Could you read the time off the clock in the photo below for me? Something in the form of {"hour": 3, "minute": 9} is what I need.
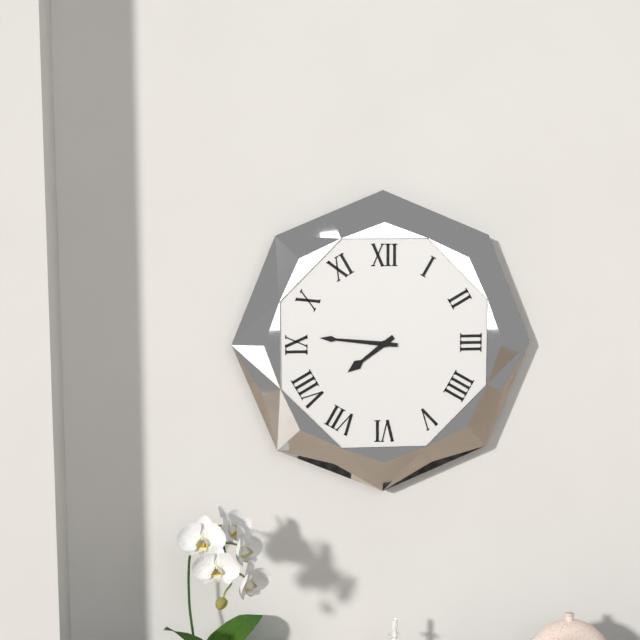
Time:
{"hour": 7, "minute": 46}
